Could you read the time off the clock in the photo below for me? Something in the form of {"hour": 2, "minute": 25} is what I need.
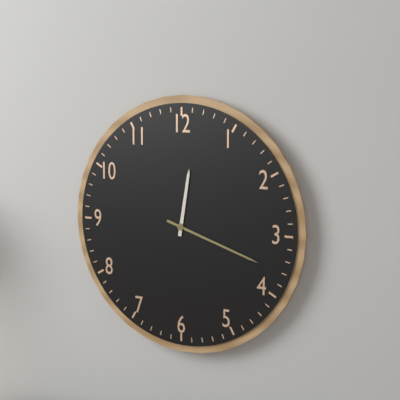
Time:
{"hour": 12, "minute": 18}
